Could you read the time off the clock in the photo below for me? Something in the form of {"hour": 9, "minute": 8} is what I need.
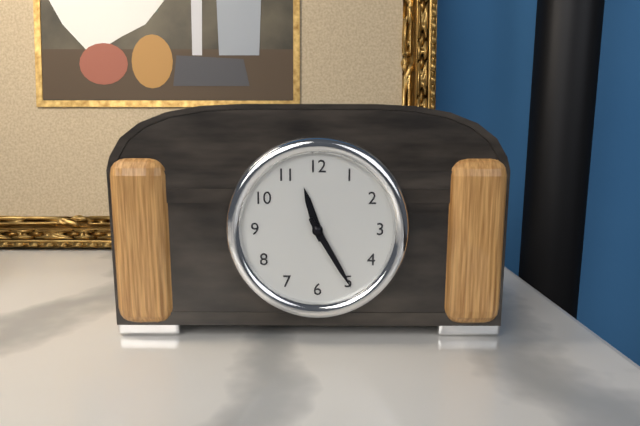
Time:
{"hour": 11, "minute": 25}
